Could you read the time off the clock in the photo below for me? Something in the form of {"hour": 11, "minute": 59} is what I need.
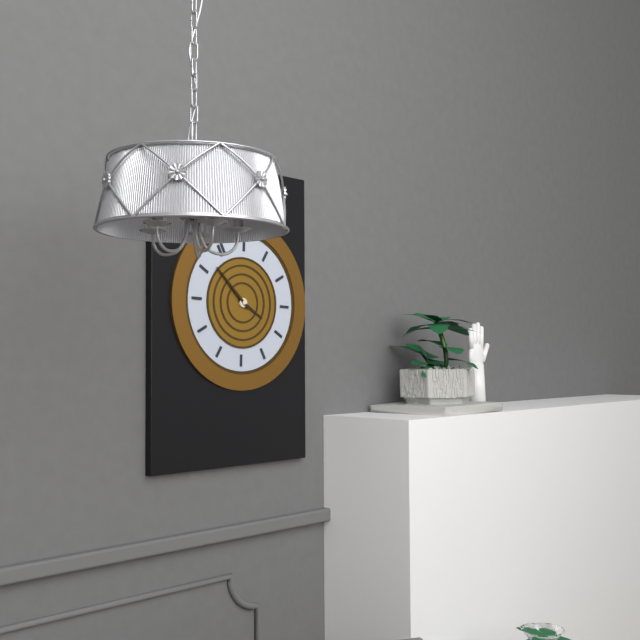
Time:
{"hour": 4, "minute": 57}
